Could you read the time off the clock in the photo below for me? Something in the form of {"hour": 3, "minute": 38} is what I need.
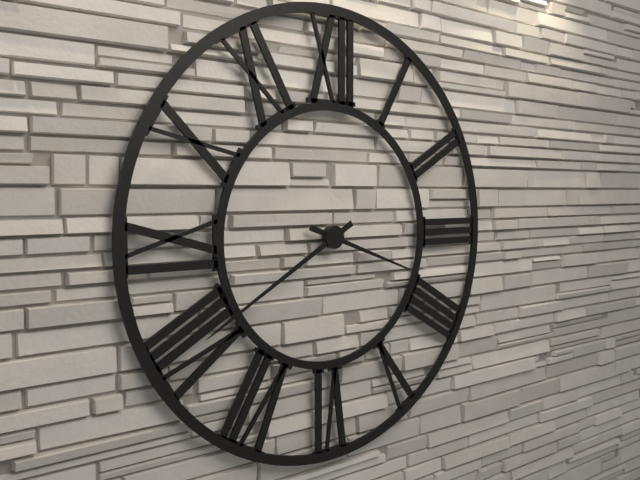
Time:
{"hour": 3, "minute": 40}
